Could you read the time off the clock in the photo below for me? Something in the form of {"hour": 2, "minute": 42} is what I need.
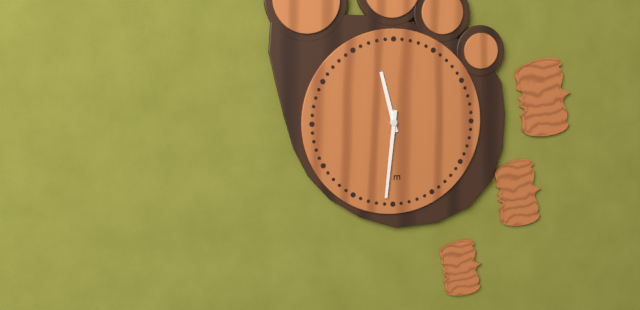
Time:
{"hour": 11, "minute": 31}
